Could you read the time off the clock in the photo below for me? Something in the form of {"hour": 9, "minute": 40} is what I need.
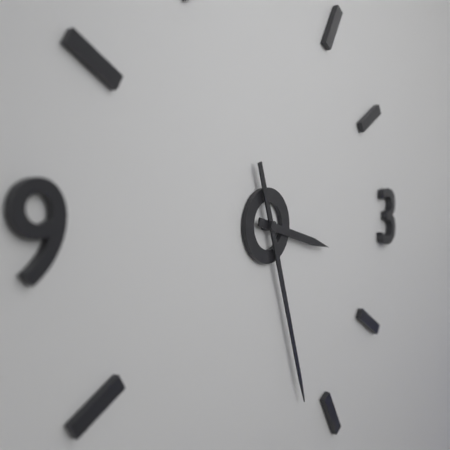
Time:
{"hour": 3, "minute": 27}
